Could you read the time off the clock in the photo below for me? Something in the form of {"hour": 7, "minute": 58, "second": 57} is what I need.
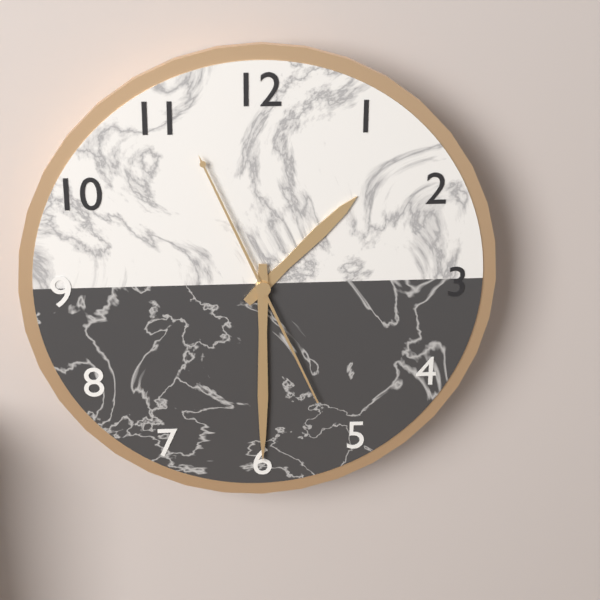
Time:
{"hour": 1, "minute": 30, "second": 56}
